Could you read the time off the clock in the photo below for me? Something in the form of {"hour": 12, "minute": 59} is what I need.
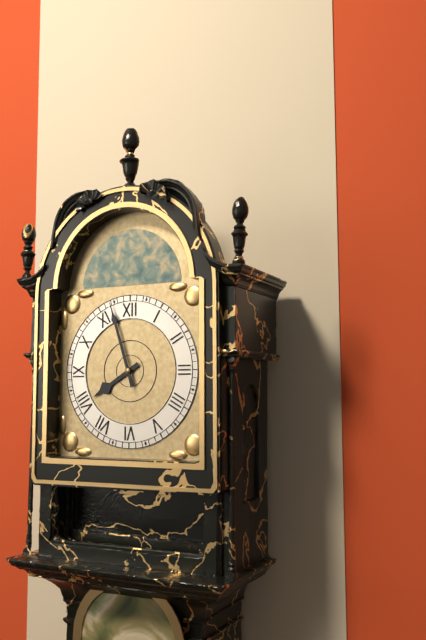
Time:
{"hour": 7, "minute": 57}
